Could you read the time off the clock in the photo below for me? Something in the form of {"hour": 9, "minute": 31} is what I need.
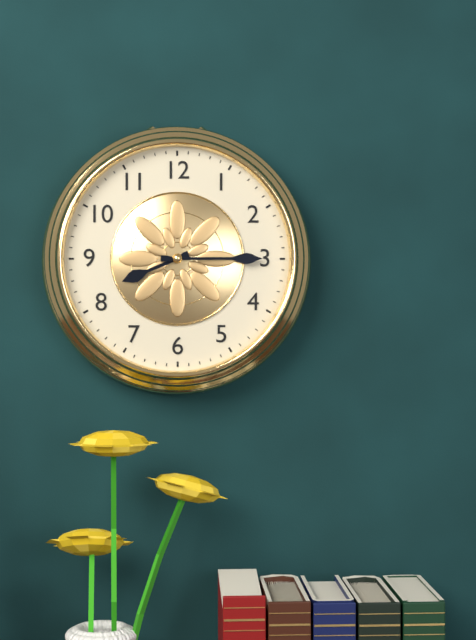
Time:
{"hour": 8, "minute": 15}
